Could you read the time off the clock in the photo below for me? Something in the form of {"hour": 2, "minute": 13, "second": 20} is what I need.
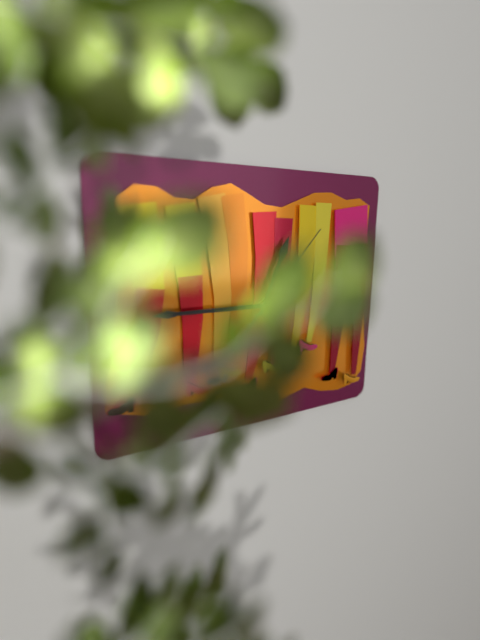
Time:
{"hour": 12, "minute": 45, "second": 7}
